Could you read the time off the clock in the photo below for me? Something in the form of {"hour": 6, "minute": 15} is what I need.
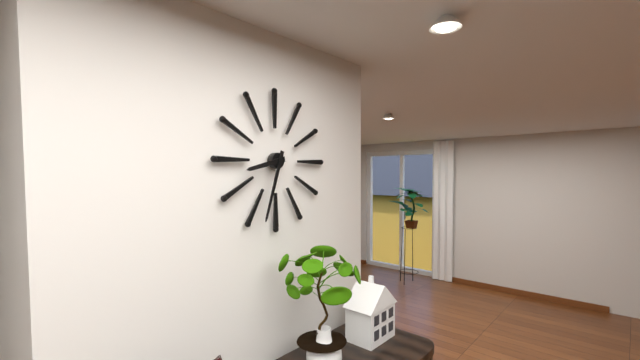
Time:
{"hour": 8, "minute": 33}
